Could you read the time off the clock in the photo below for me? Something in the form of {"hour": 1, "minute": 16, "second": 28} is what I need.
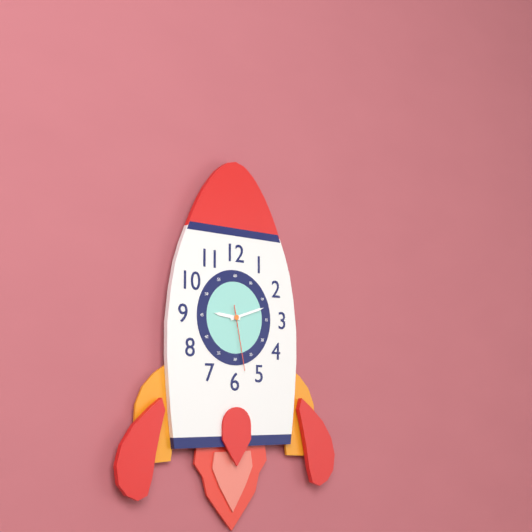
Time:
{"hour": 9, "minute": 12, "second": 28}
